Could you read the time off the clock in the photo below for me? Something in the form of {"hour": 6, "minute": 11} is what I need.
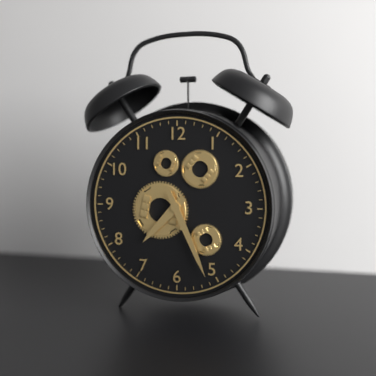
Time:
{"hour": 7, "minute": 26}
